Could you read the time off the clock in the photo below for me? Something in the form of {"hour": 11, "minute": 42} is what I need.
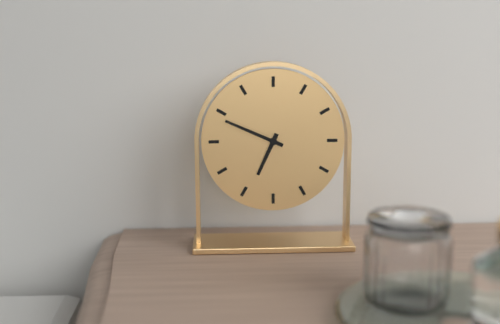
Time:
{"hour": 6, "minute": 49}
